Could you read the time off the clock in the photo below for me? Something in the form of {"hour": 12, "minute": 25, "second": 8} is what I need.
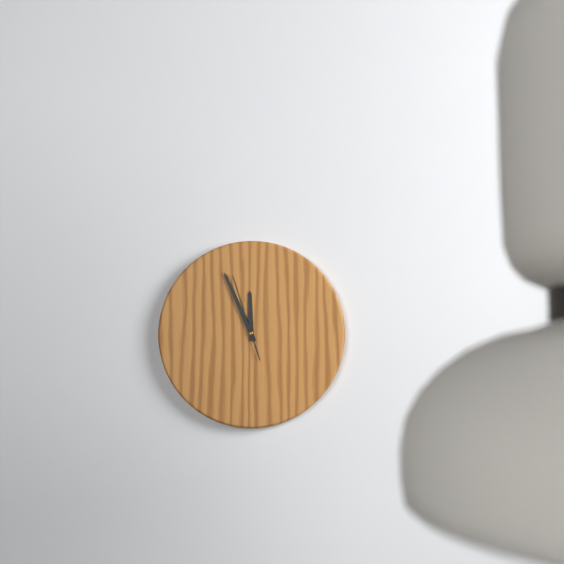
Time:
{"hour": 11, "minute": 56, "second": 57}
